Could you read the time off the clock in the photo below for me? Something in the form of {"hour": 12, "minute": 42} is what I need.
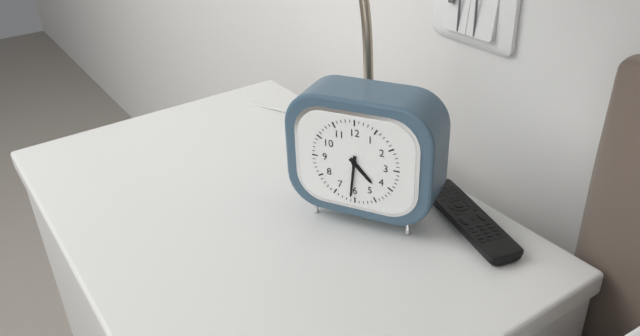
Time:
{"hour": 4, "minute": 31}
